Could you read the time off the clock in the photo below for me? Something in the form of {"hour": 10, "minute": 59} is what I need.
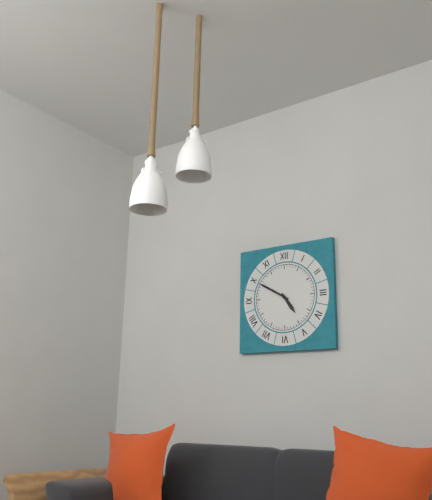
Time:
{"hour": 4, "minute": 50}
